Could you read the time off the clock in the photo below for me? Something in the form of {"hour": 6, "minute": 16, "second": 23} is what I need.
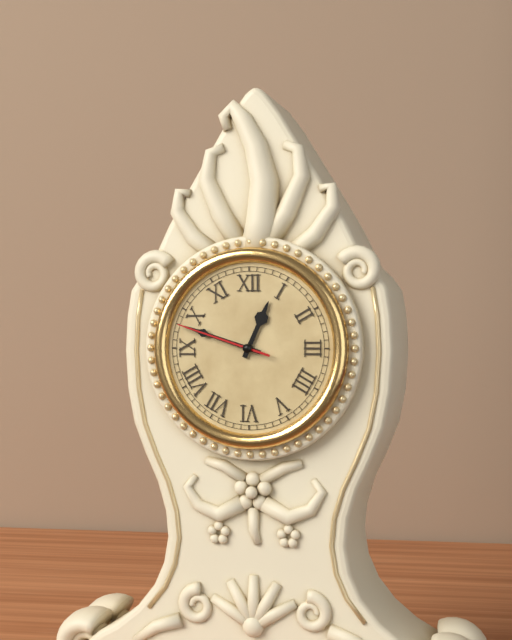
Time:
{"hour": 12, "minute": 48, "second": 48}
